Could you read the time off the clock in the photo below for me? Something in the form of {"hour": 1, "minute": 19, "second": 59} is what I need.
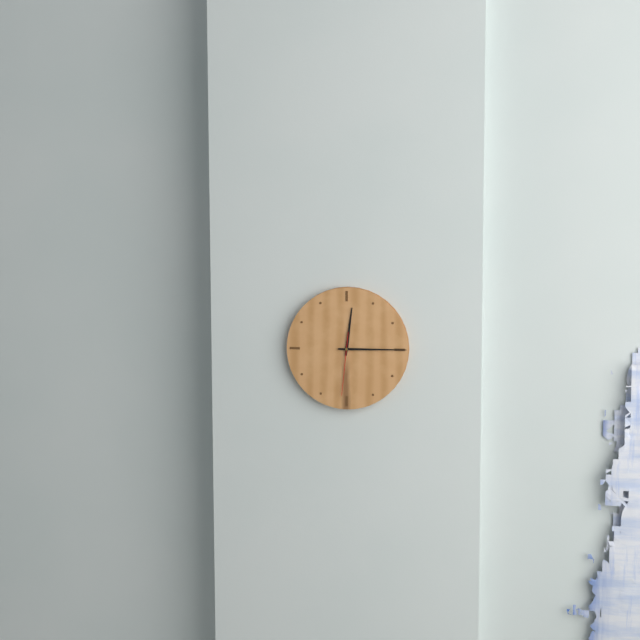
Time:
{"hour": 12, "minute": 15, "second": 31}
